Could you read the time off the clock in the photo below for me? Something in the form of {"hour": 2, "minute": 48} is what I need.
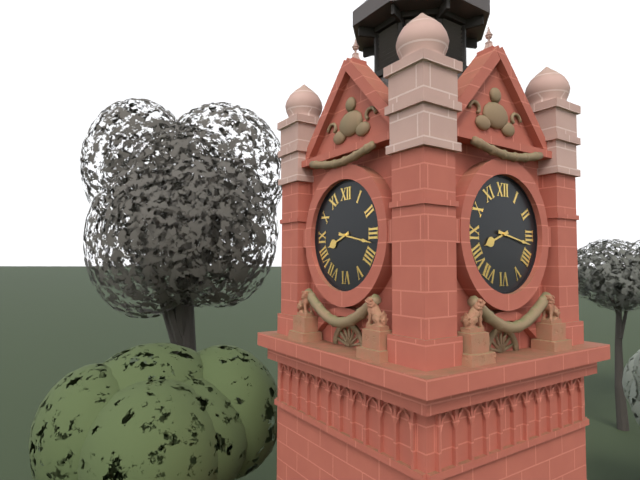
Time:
{"hour": 8, "minute": 17}
